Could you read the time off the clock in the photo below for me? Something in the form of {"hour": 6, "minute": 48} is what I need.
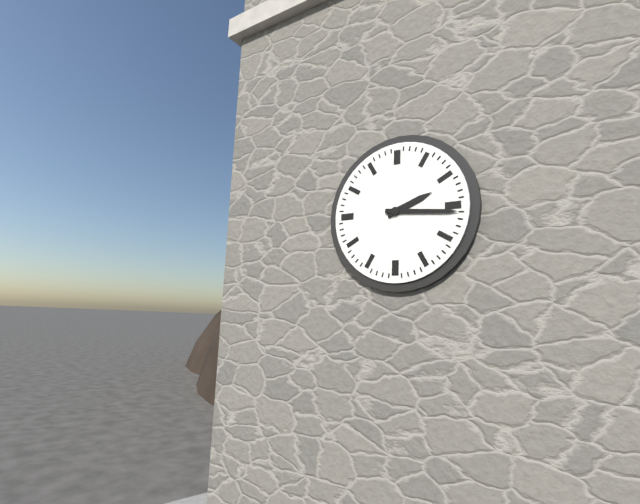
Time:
{"hour": 2, "minute": 16}
